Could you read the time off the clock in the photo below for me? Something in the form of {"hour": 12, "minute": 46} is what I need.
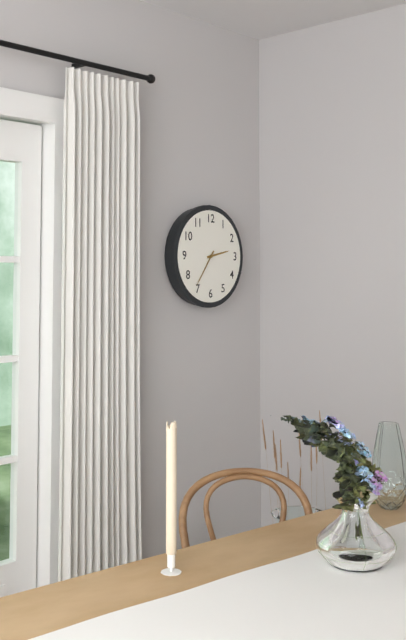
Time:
{"hour": 2, "minute": 36}
